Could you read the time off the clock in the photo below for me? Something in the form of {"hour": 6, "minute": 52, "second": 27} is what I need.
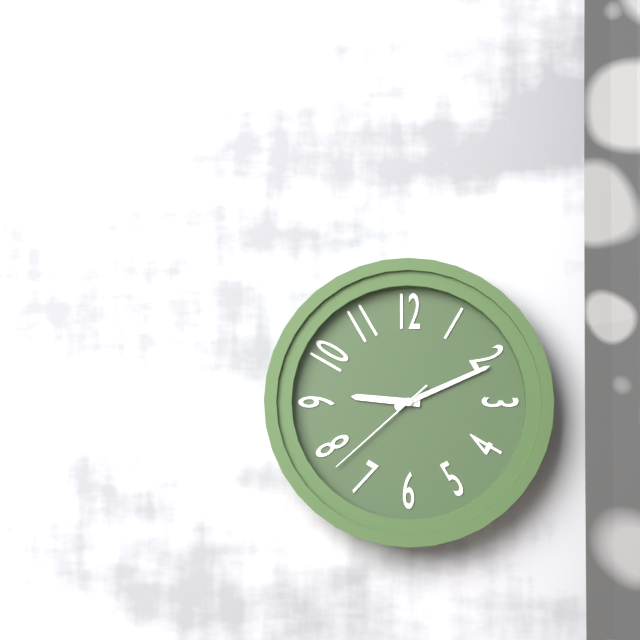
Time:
{"hour": 9, "minute": 11, "second": 38}
